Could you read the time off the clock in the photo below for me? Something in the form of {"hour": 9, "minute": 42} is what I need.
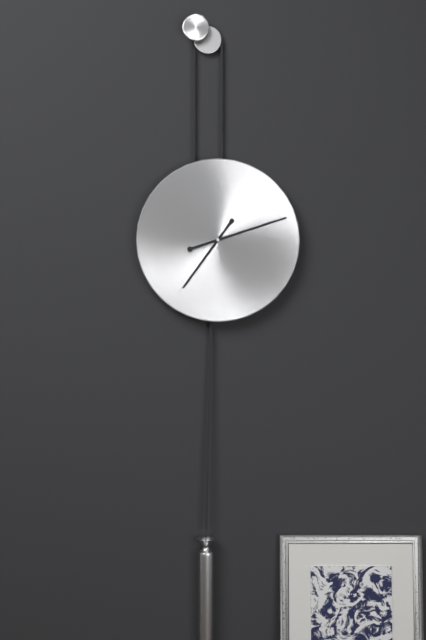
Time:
{"hour": 7, "minute": 12}
